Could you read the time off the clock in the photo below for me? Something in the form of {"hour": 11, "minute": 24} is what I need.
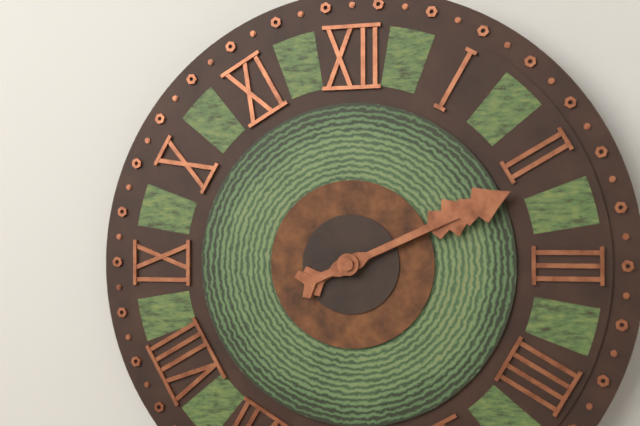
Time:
{"hour": 2, "minute": 11}
